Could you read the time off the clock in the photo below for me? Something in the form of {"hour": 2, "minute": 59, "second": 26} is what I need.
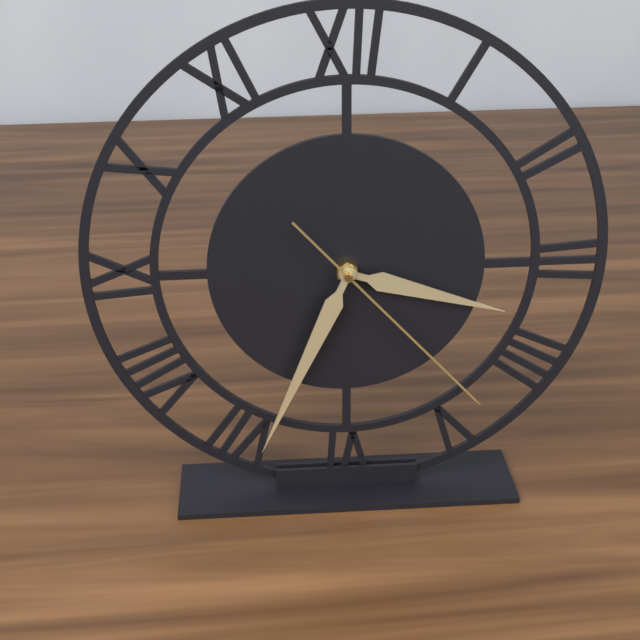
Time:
{"hour": 3, "minute": 34, "second": 23}
